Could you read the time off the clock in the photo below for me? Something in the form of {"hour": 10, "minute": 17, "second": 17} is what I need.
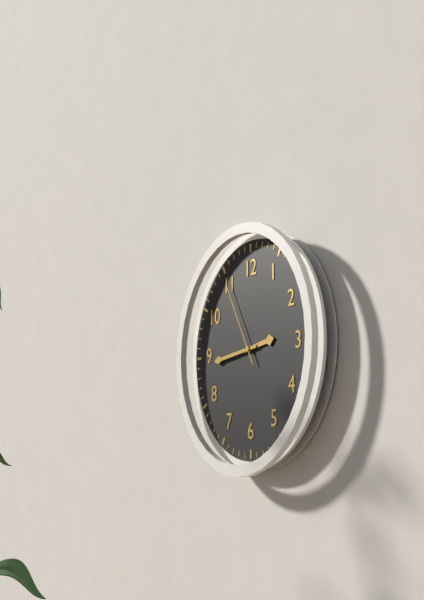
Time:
{"hour": 2, "minute": 44, "second": 55}
